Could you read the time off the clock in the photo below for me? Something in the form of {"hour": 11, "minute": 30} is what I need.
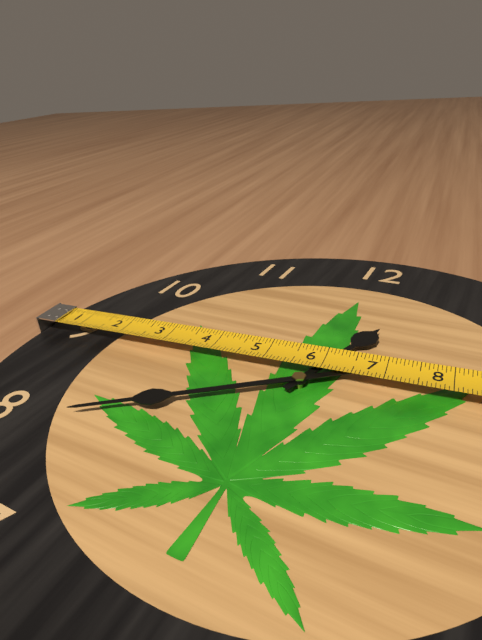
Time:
{"hour": 12, "minute": 39}
